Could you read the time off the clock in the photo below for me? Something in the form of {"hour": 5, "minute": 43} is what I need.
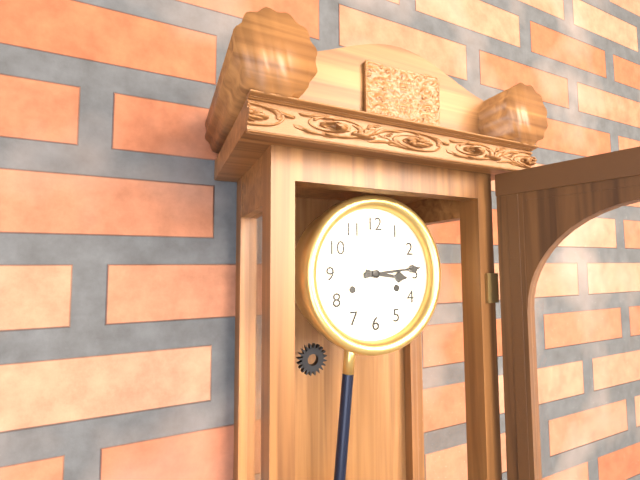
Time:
{"hour": 3, "minute": 14}
